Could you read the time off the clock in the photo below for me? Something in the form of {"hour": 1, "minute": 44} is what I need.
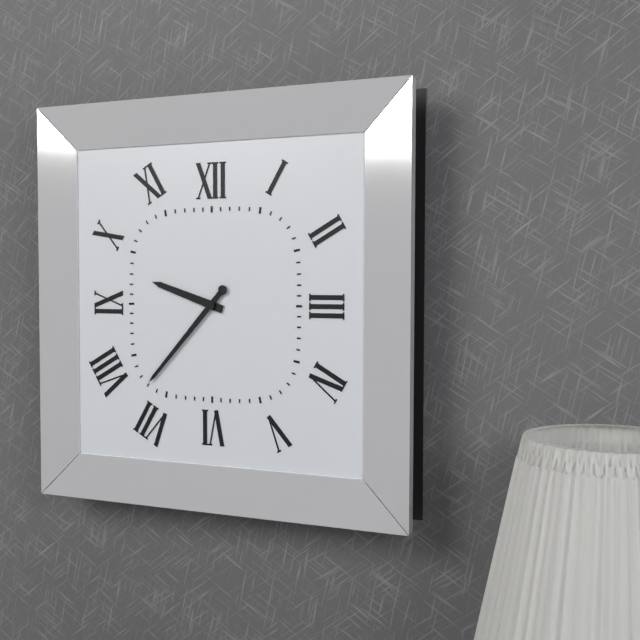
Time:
{"hour": 9, "minute": 37}
